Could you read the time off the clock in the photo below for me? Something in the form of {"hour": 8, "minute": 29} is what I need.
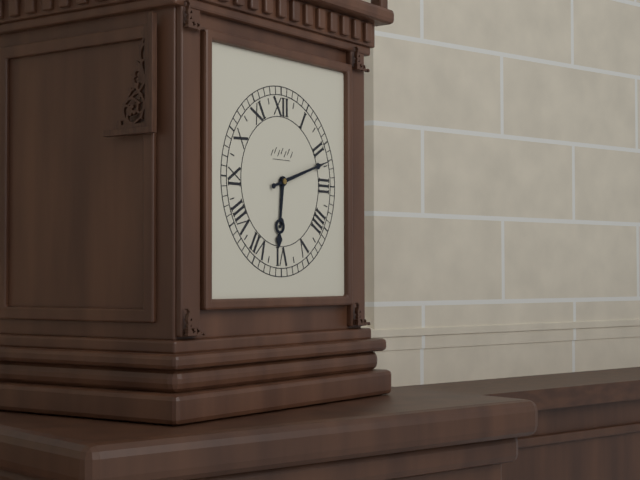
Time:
{"hour": 6, "minute": 12}
